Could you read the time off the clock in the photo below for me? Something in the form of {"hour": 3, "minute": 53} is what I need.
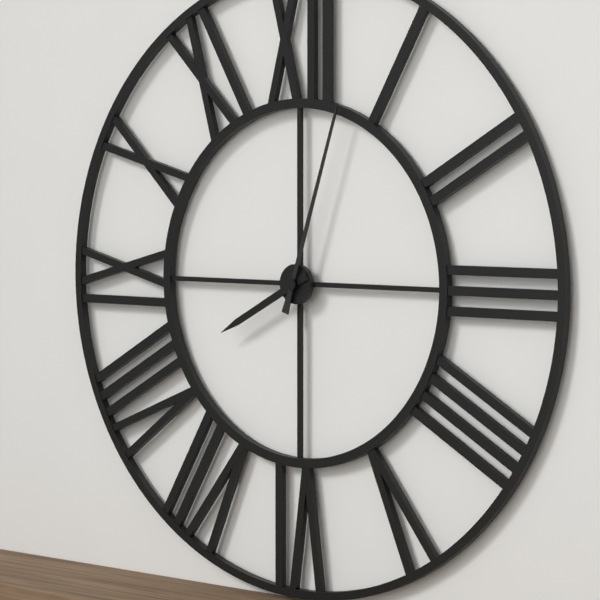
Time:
{"hour": 8, "minute": 3}
